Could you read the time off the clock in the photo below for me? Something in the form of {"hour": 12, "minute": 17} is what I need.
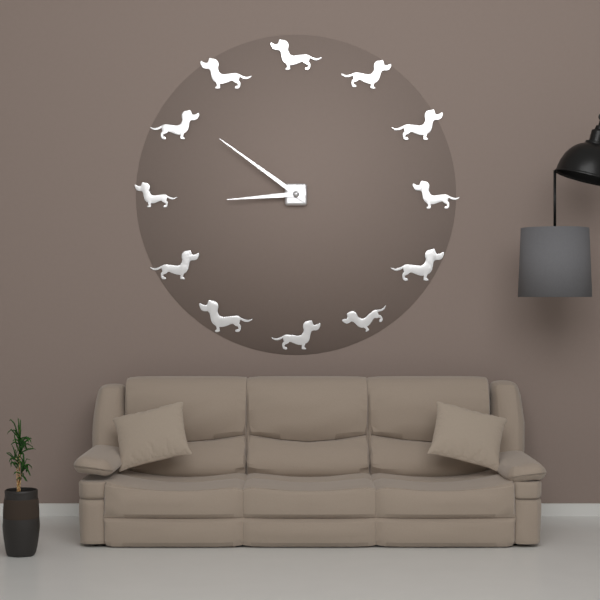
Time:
{"hour": 8, "minute": 51}
